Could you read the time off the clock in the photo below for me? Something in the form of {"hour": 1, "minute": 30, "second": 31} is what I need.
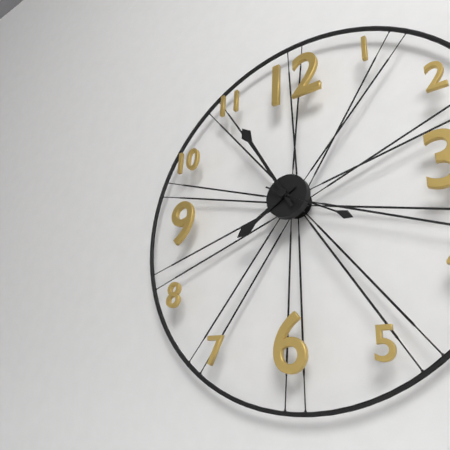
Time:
{"hour": 7, "minute": 55, "second": 20}
